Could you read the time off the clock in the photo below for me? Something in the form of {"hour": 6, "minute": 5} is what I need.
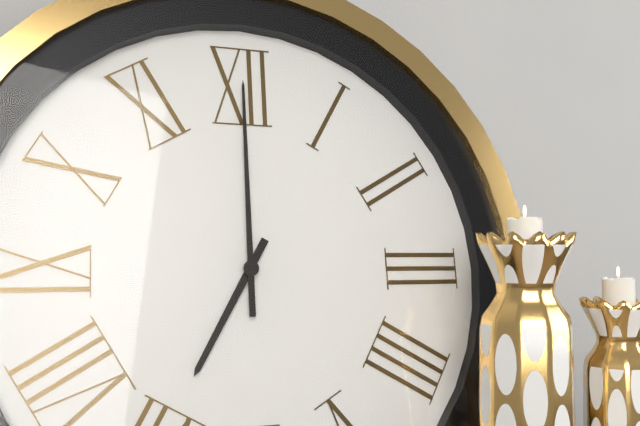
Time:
{"hour": 7, "minute": 0}
